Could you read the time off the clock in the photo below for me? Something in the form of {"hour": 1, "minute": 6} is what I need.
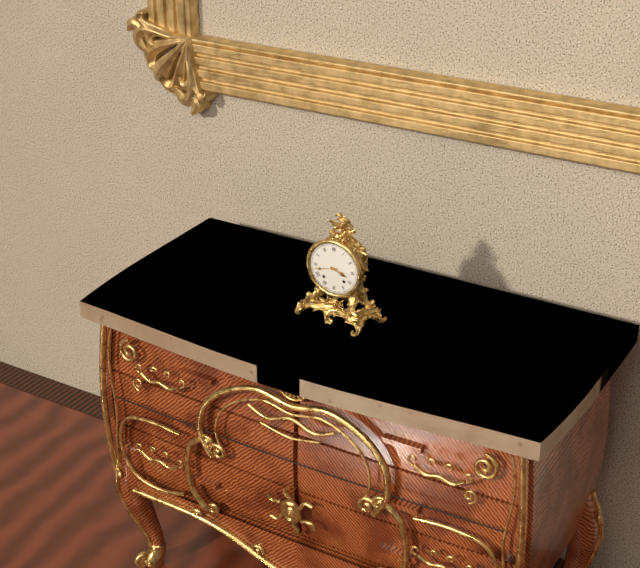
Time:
{"hour": 3, "minute": 43}
